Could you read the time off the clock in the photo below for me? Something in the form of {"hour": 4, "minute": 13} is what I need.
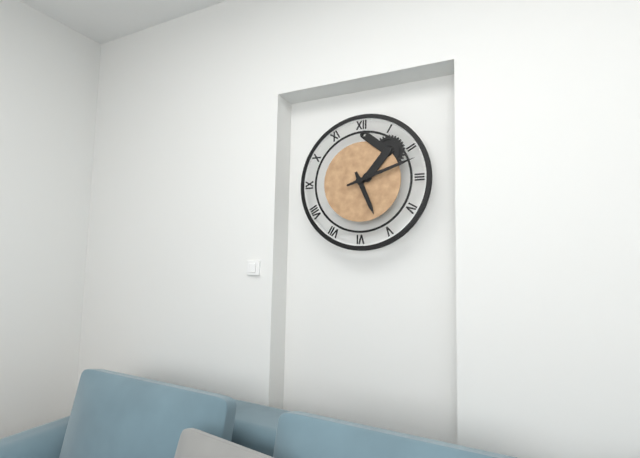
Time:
{"hour": 5, "minute": 12}
